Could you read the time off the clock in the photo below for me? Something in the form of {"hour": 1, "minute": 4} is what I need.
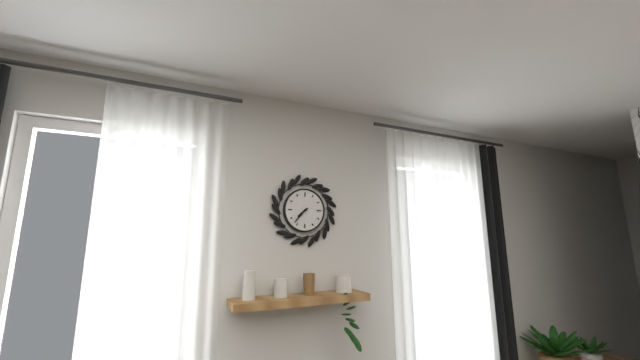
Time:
{"hour": 7, "minute": 37}
